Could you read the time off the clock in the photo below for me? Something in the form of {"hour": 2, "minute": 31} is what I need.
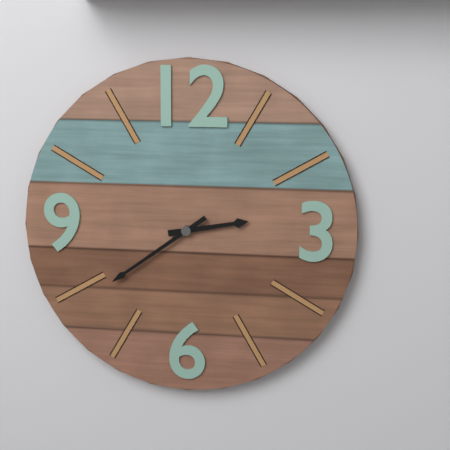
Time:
{"hour": 2, "minute": 39}
